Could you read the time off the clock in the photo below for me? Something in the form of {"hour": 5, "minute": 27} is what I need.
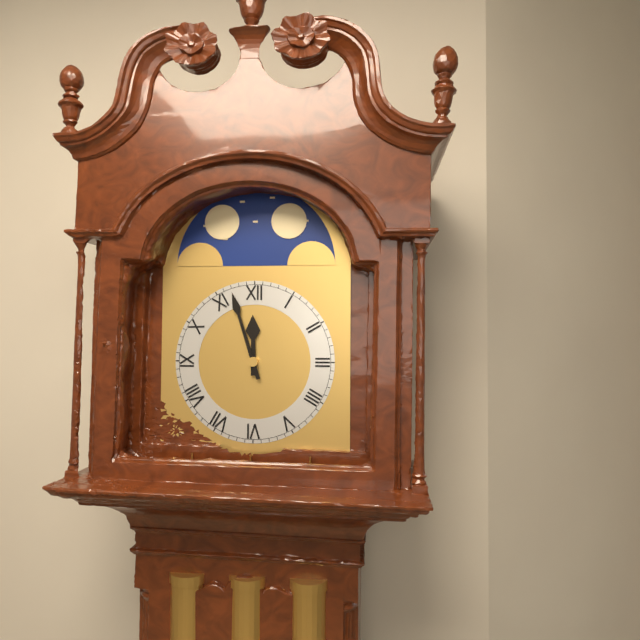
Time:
{"hour": 11, "minute": 57}
